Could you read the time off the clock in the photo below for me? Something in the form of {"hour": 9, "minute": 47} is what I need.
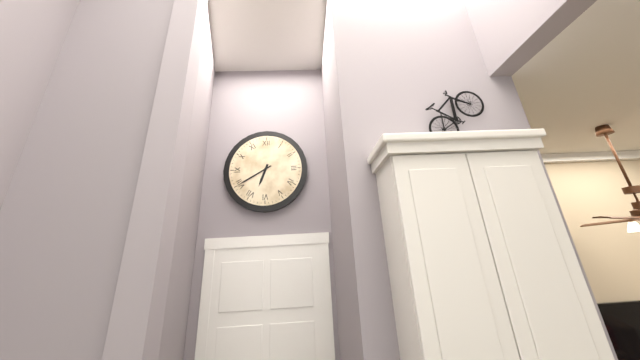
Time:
{"hour": 6, "minute": 40}
